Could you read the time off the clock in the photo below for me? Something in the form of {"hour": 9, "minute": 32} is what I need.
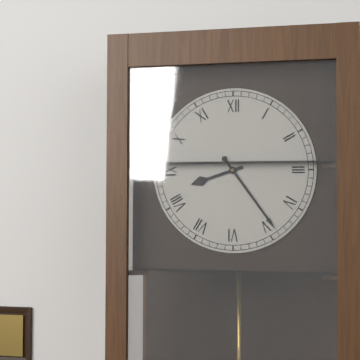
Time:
{"hour": 8, "minute": 24}
